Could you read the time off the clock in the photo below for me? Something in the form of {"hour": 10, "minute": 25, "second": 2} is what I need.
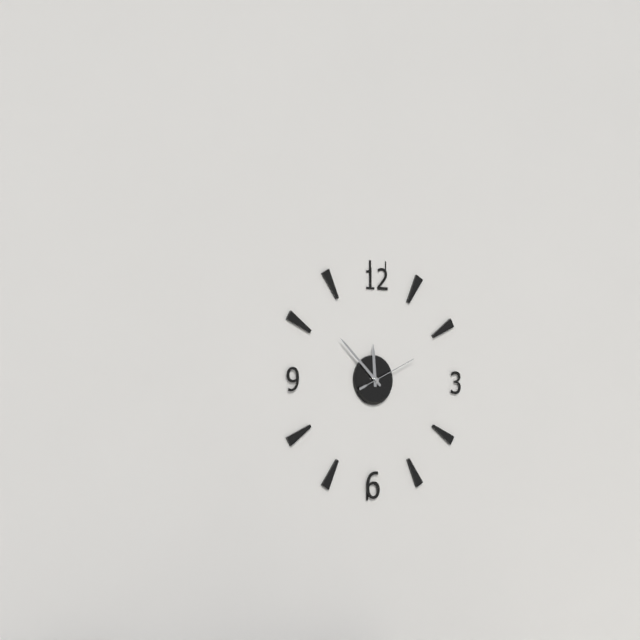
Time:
{"hour": 11, "minute": 52, "second": 11}
